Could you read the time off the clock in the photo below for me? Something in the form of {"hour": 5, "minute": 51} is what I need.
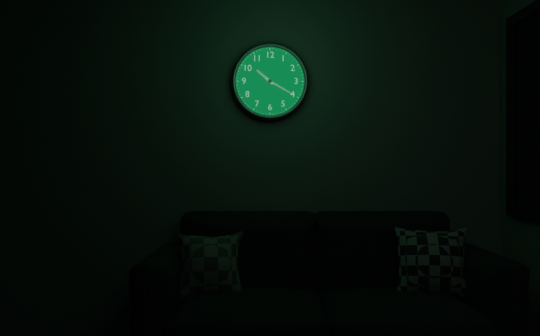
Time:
{"hour": 10, "minute": 20}
